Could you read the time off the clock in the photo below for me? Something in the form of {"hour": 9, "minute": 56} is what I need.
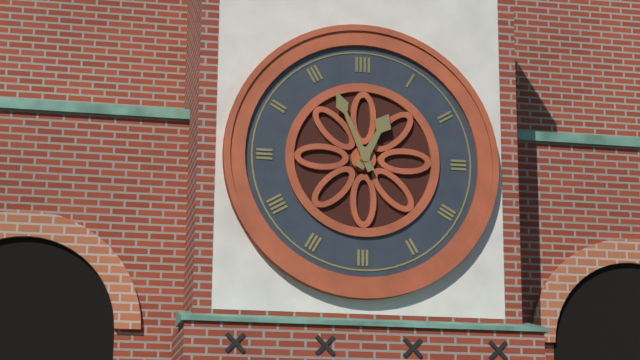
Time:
{"hour": 12, "minute": 56}
